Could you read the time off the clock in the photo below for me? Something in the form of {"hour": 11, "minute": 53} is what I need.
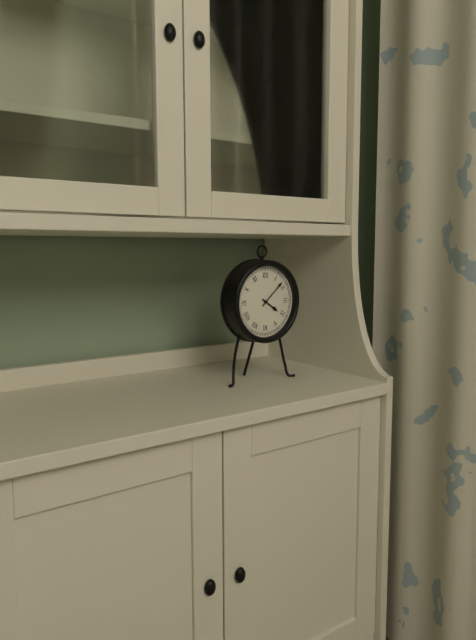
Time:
{"hour": 4, "minute": 8}
